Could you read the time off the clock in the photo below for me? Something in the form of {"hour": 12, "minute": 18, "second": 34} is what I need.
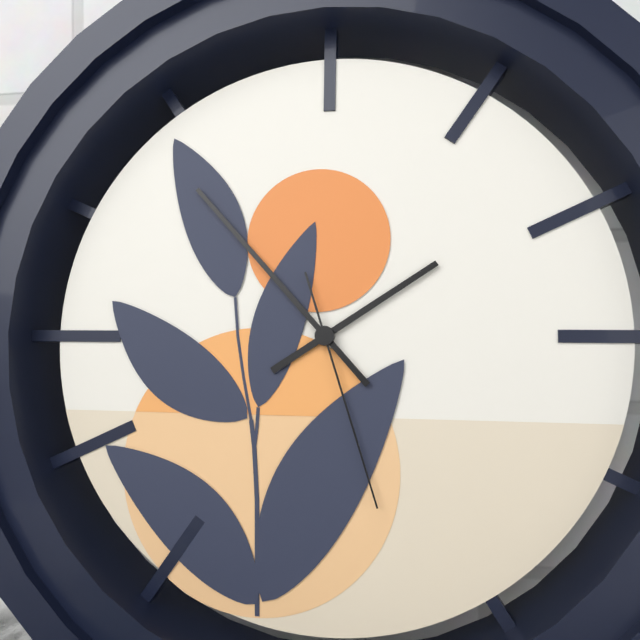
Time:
{"hour": 1, "minute": 53, "second": 27}
